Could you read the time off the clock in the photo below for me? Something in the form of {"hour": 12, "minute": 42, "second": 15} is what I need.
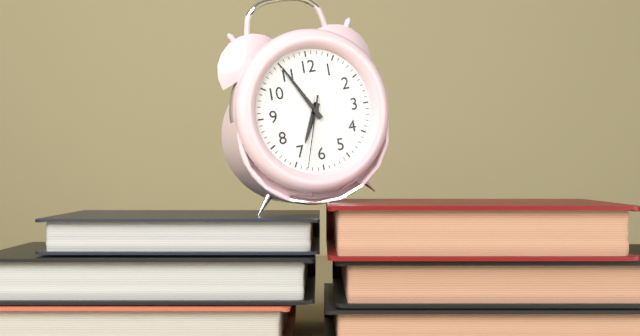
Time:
{"hour": 6, "minute": 55, "second": 33}
